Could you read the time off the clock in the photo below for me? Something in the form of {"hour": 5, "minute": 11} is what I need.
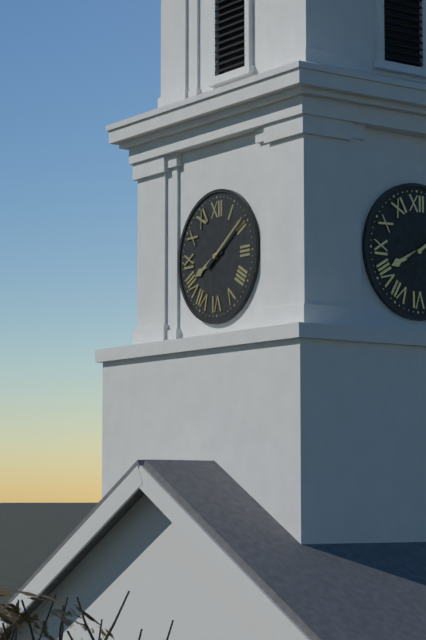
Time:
{"hour": 8, "minute": 9}
